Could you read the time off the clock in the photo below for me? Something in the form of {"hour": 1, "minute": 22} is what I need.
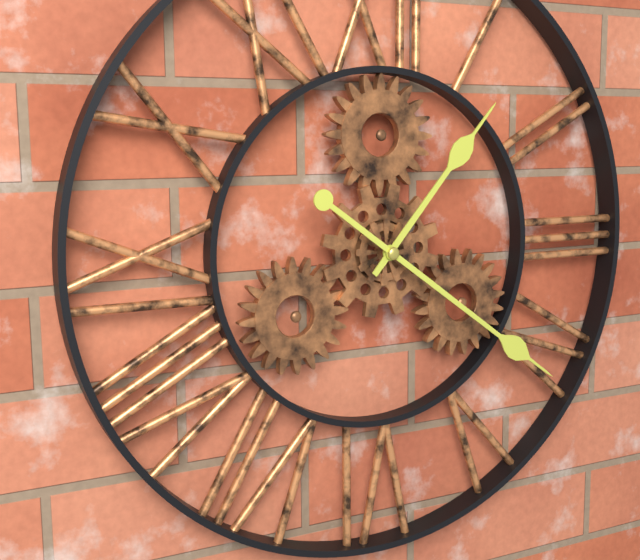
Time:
{"hour": 1, "minute": 21}
